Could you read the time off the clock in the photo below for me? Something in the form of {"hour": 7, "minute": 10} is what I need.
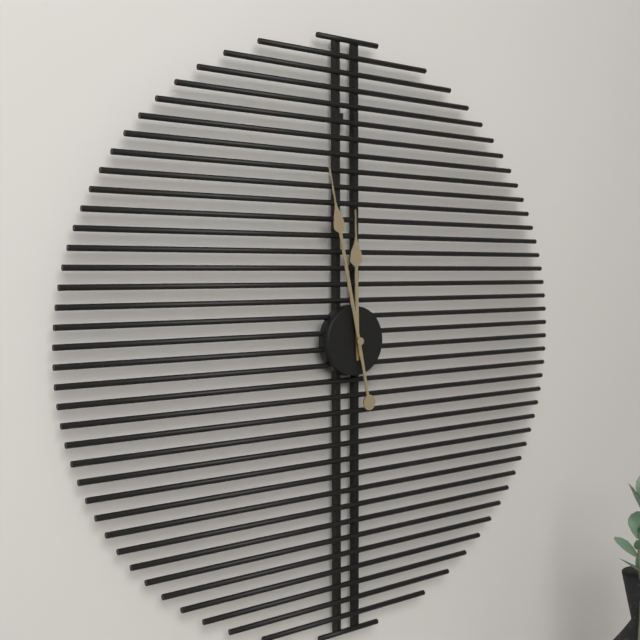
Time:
{"hour": 11, "minute": 58}
